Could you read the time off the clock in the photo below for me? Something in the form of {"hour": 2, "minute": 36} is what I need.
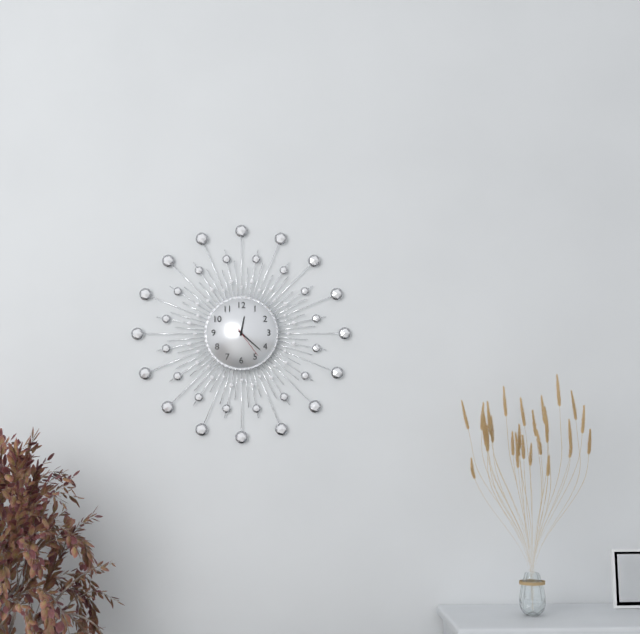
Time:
{"hour": 12, "minute": 22}
